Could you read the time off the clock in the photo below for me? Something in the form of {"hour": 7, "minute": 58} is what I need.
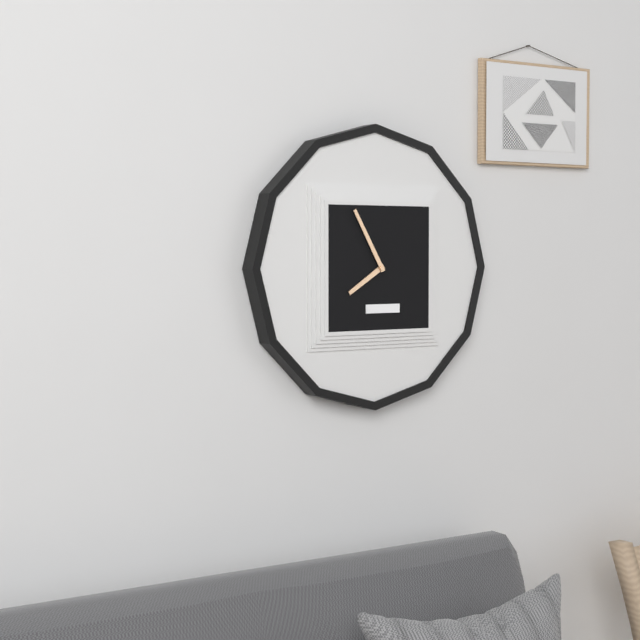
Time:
{"hour": 7, "minute": 55}
